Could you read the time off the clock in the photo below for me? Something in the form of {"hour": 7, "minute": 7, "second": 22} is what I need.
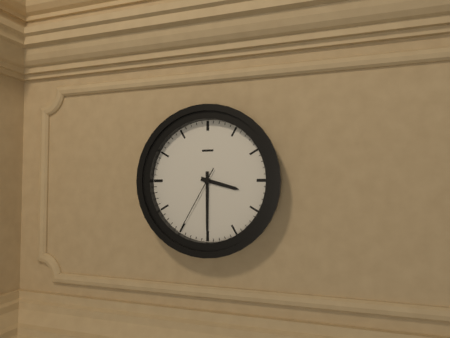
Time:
{"hour": 3, "minute": 30, "second": 35}
